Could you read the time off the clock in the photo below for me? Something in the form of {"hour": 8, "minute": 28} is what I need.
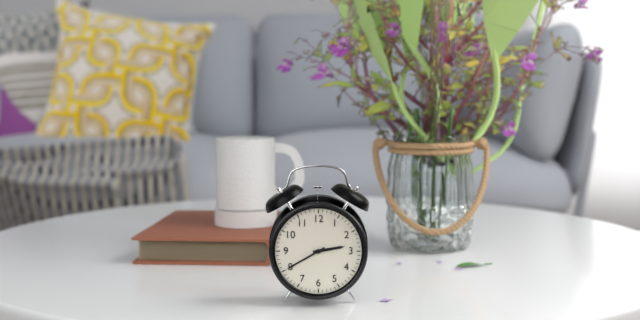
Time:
{"hour": 2, "minute": 40}
